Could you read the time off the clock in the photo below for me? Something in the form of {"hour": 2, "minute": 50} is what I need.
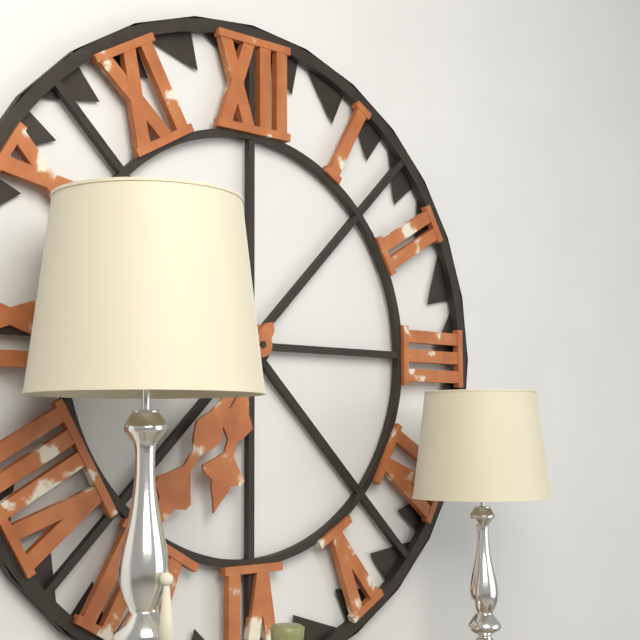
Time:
{"hour": 6, "minute": 36}
